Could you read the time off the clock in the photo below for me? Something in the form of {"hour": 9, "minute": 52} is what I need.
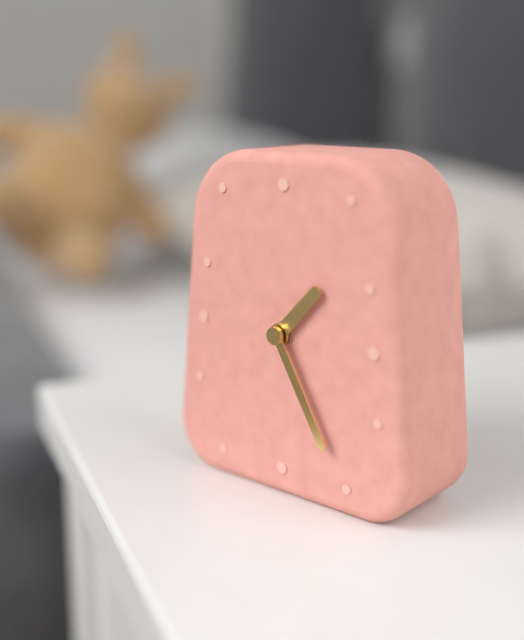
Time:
{"hour": 1, "minute": 25}
